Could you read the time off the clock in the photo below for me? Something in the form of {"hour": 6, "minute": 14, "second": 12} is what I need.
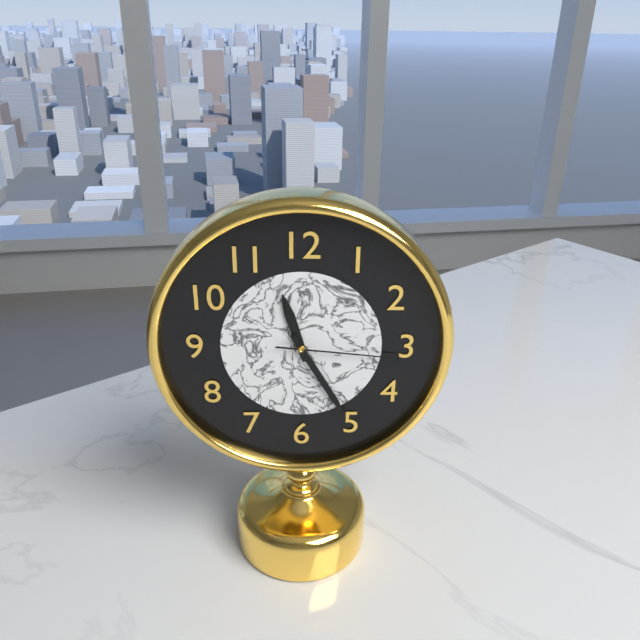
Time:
{"hour": 11, "minute": 25, "second": 16}
